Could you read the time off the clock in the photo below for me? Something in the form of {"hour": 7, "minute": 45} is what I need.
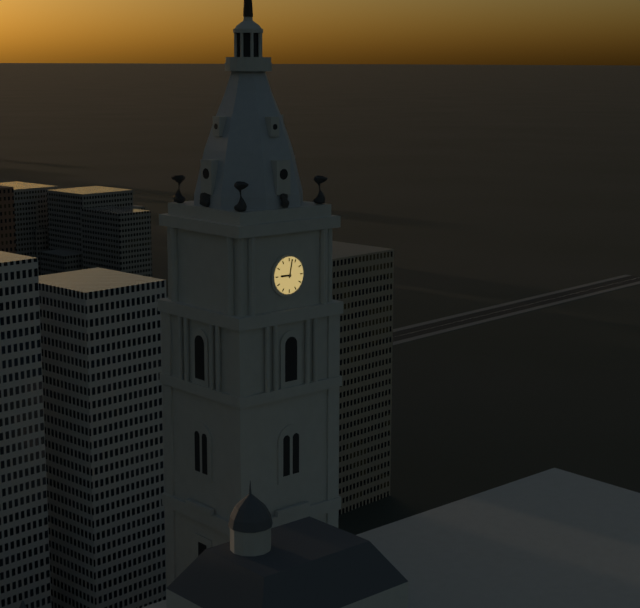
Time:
{"hour": 9, "minute": 2}
